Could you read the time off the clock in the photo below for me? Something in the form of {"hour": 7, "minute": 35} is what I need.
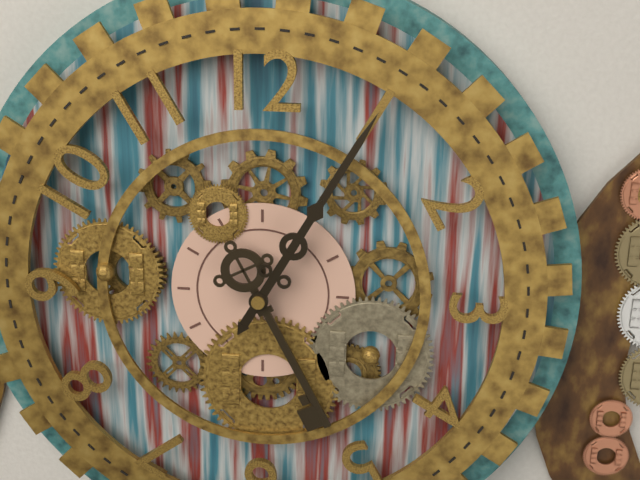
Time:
{"hour": 5, "minute": 5}
